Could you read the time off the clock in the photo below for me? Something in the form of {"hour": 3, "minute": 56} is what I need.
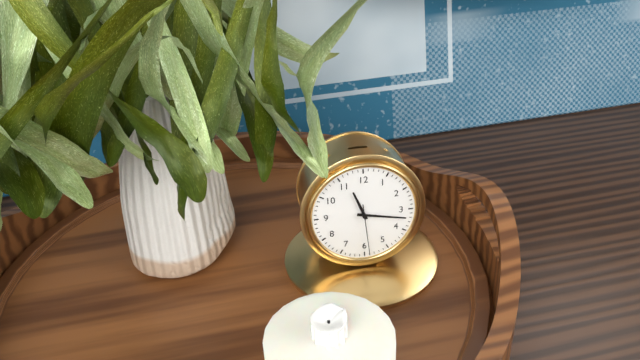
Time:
{"hour": 11, "minute": 17}
